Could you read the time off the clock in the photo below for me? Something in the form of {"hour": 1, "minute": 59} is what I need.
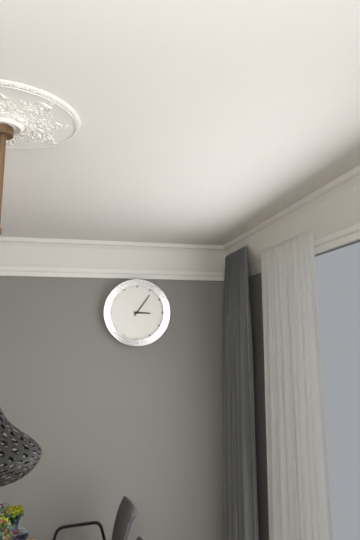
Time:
{"hour": 3, "minute": 6}
